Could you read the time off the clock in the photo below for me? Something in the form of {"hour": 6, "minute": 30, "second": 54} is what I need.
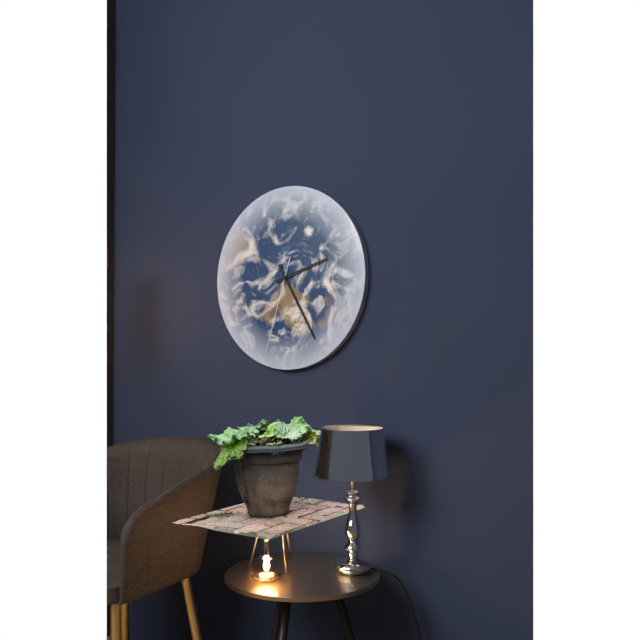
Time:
{"hour": 2, "minute": 25, "second": 33}
